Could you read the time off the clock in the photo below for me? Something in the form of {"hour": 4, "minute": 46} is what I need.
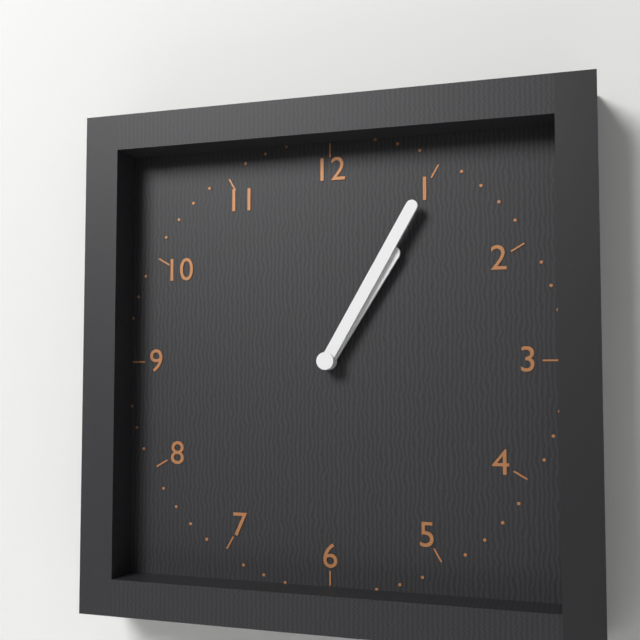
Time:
{"hour": 1, "minute": 5}
